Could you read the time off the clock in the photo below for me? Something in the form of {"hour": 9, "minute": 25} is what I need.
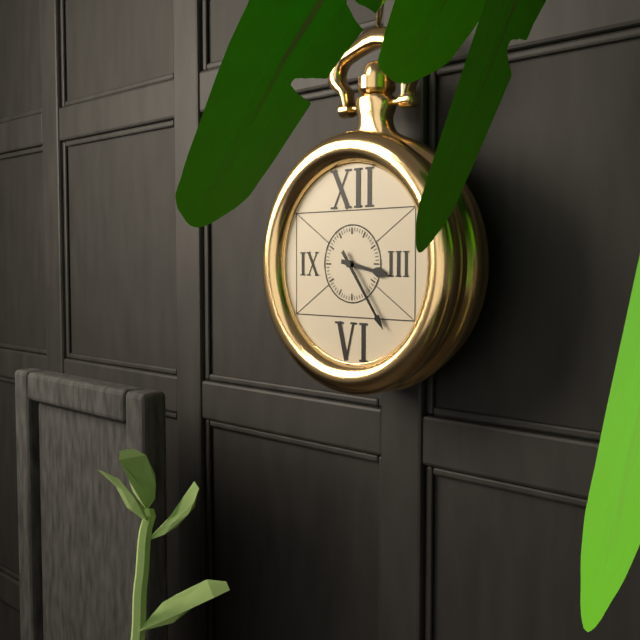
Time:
{"hour": 3, "minute": 24}
